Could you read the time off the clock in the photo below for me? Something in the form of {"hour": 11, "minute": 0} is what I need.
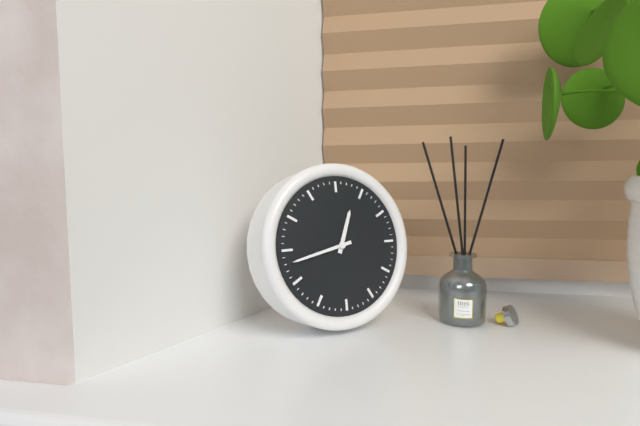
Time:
{"hour": 12, "minute": 43}
